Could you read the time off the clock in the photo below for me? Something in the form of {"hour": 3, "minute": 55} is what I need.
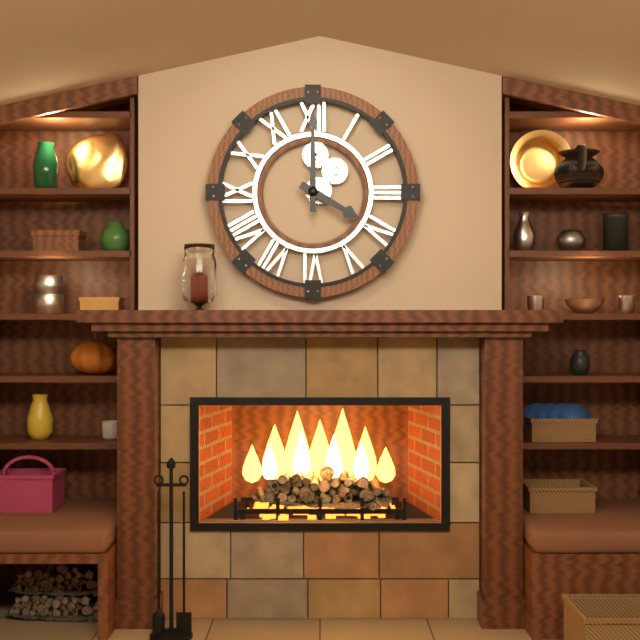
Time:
{"hour": 4, "minute": 0}
